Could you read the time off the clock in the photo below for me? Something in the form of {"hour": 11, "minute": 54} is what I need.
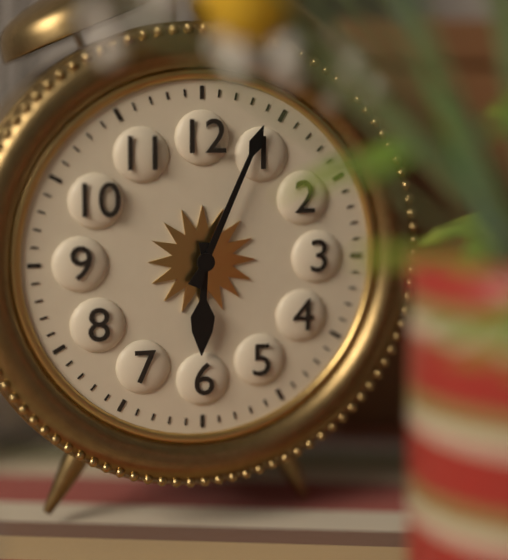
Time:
{"hour": 6, "minute": 4}
